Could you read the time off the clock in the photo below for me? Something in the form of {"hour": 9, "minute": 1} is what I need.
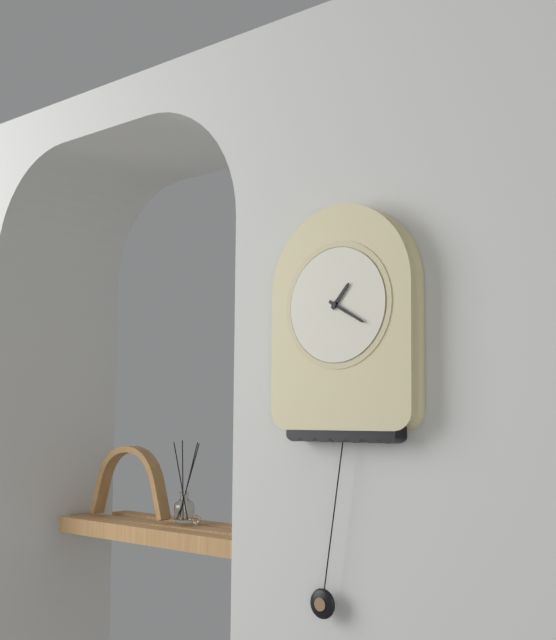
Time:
{"hour": 1, "minute": 20}
